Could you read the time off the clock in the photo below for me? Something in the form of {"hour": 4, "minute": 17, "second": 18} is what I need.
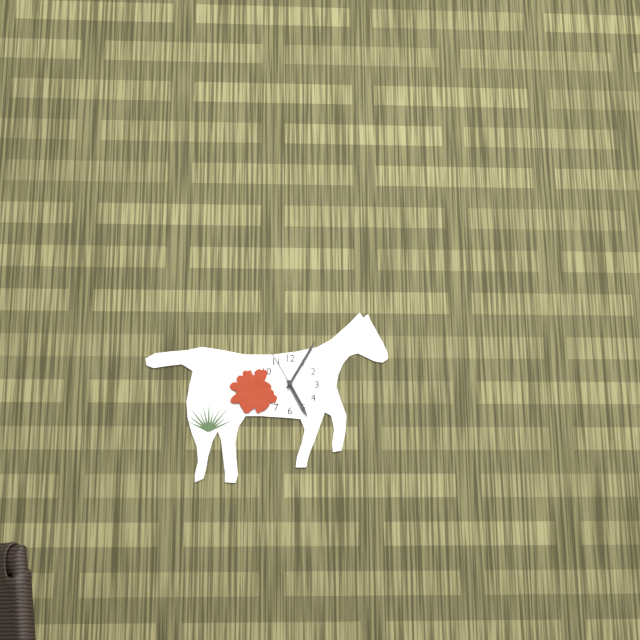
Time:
{"hour": 5, "minute": 5, "second": 55}
